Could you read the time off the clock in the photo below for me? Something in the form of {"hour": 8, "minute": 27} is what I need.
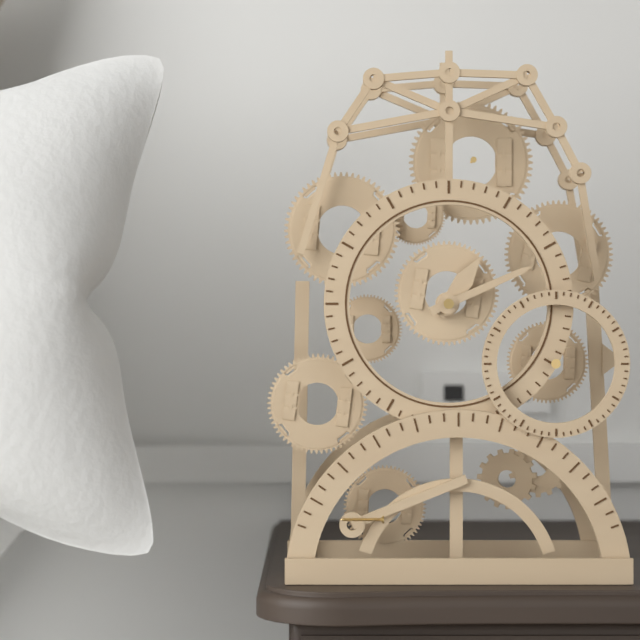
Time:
{"hour": 1, "minute": 11}
